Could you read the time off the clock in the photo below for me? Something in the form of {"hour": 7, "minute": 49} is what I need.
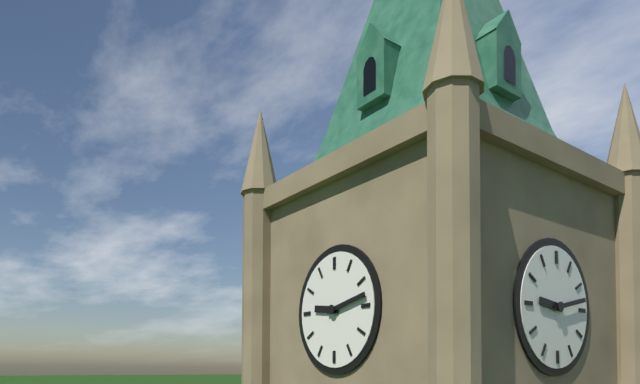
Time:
{"hour": 9, "minute": 13}
